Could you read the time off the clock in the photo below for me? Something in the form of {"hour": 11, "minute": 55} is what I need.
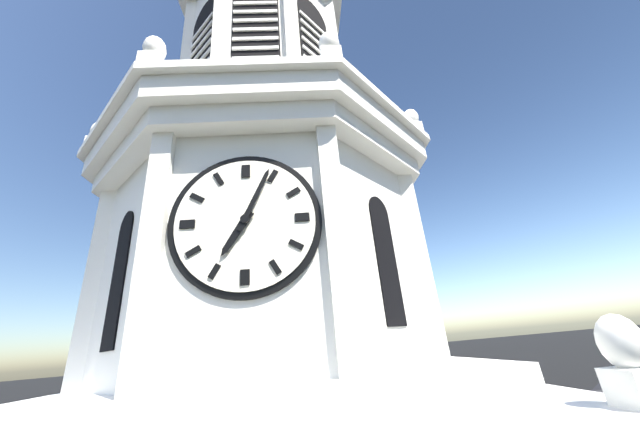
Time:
{"hour": 7, "minute": 4}
